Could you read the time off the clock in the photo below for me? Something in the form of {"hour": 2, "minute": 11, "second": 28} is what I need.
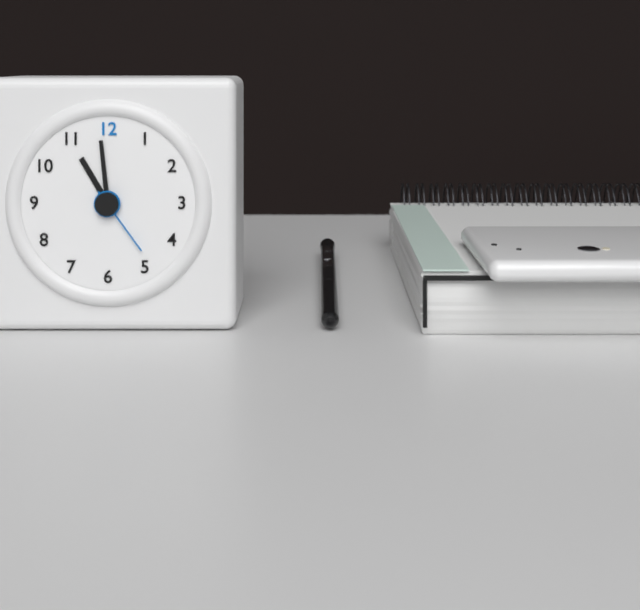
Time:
{"hour": 10, "minute": 59, "second": 24}
